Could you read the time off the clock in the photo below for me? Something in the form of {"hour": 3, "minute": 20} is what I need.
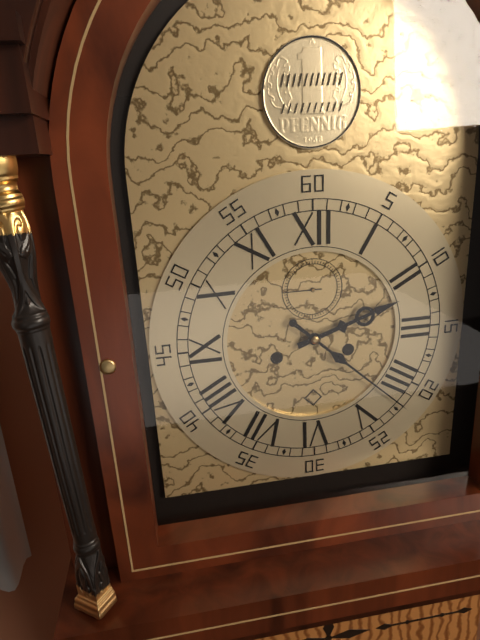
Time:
{"hour": 2, "minute": 22}
